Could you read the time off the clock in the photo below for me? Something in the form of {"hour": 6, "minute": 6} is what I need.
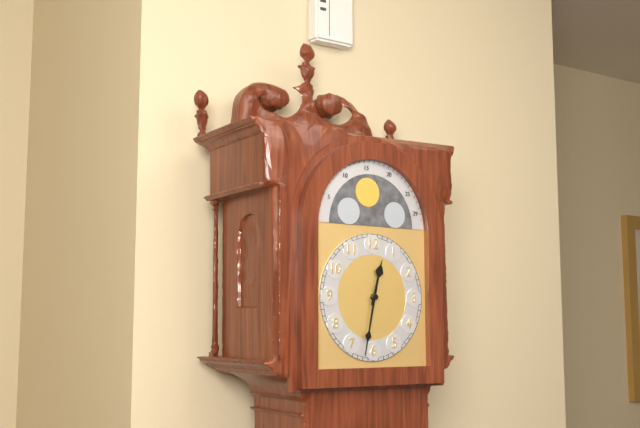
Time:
{"hour": 12, "minute": 32}
